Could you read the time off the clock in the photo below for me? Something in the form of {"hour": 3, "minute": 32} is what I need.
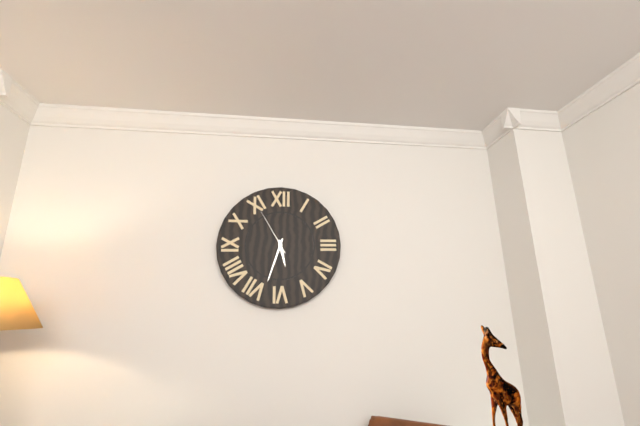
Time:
{"hour": 5, "minute": 33}
